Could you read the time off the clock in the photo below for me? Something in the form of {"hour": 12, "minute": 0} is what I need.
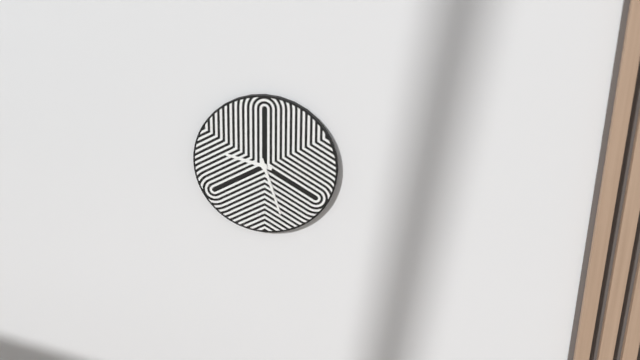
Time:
{"hour": 9, "minute": 27}
